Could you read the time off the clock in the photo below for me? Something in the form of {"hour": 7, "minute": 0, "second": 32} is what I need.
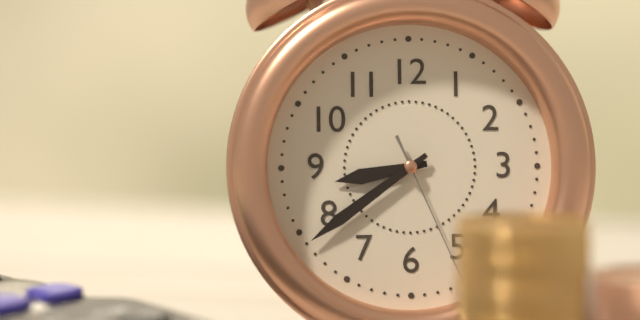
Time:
{"hour": 8, "minute": 39, "second": 26}
